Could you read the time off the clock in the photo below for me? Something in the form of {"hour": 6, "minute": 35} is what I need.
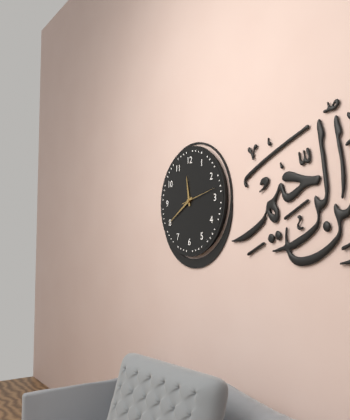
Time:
{"hour": 11, "minute": 40}
